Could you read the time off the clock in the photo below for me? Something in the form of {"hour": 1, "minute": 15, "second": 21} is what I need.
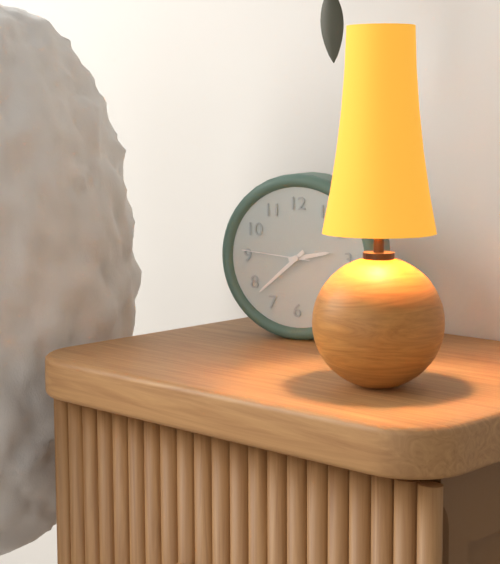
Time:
{"hour": 2, "minute": 38, "second": 46}
